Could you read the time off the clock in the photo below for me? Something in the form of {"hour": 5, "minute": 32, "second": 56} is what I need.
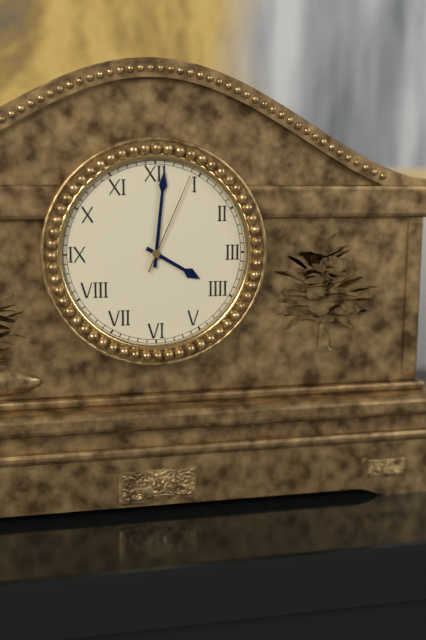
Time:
{"hour": 4, "minute": 1, "second": 4}
